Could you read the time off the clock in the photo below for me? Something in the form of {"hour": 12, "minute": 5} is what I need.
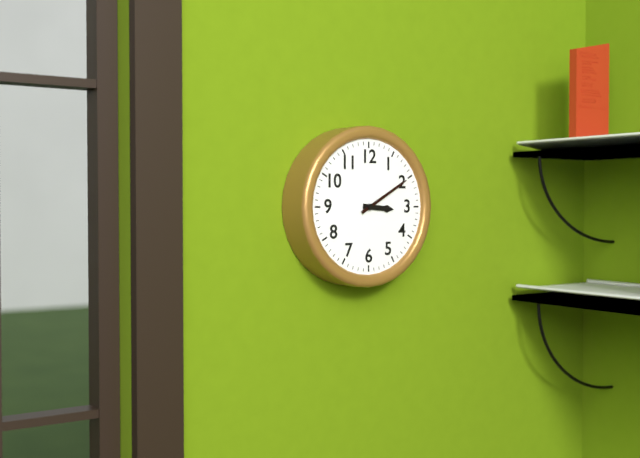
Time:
{"hour": 3, "minute": 10}
